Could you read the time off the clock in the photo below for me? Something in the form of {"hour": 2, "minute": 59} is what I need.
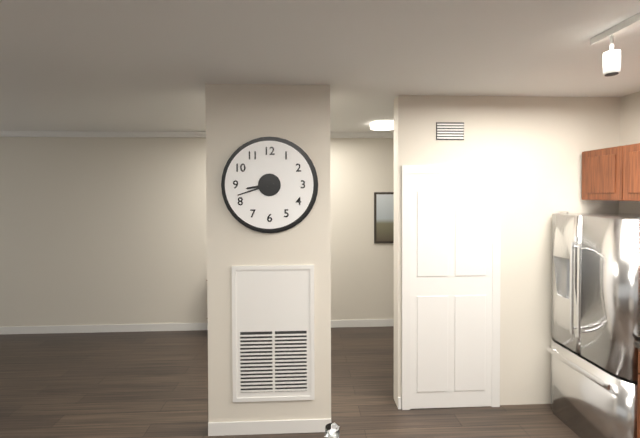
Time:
{"hour": 8, "minute": 42}
